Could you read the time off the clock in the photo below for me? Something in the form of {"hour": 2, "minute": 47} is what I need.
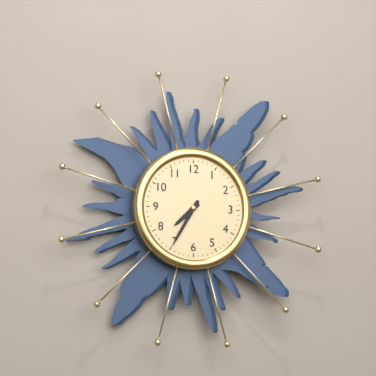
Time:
{"hour": 7, "minute": 35}
